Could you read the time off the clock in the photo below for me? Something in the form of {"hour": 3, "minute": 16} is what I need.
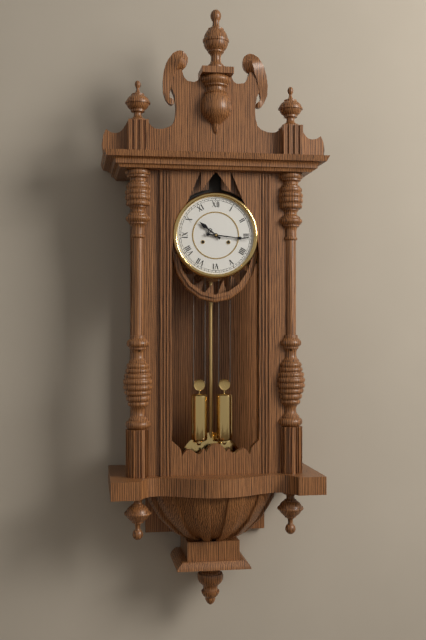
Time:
{"hour": 10, "minute": 16}
